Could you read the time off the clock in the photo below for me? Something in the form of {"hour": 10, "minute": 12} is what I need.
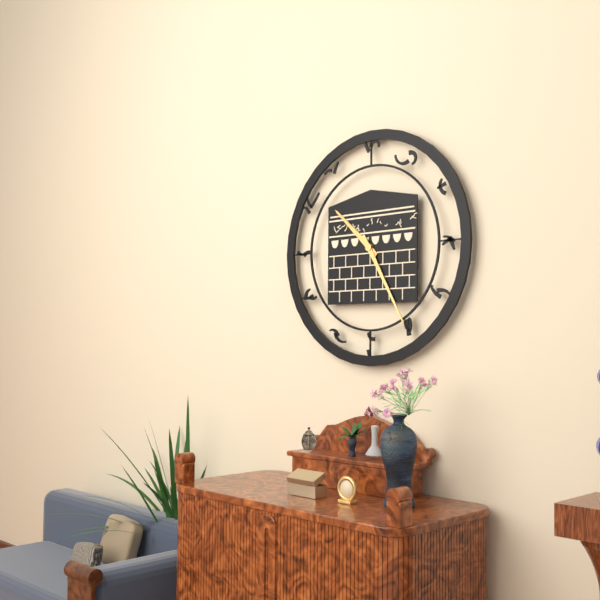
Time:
{"hour": 10, "minute": 25}
